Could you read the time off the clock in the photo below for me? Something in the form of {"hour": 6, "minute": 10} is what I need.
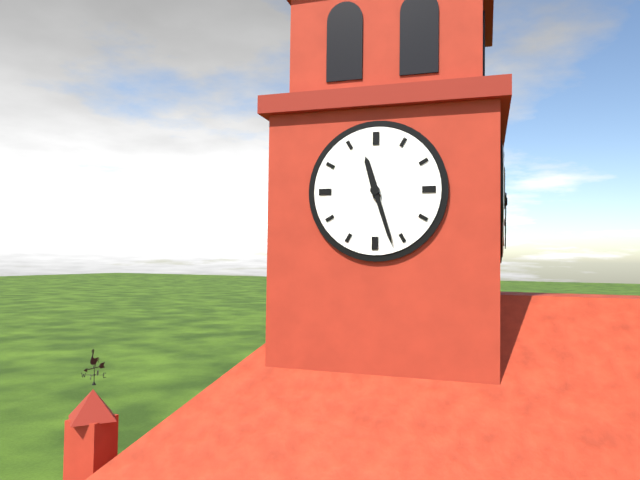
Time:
{"hour": 11, "minute": 27}
